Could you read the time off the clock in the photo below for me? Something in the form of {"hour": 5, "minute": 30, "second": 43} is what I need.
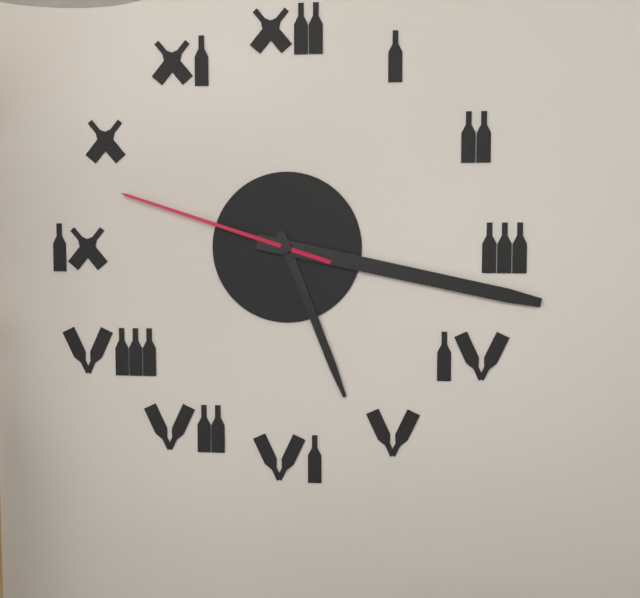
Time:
{"hour": 5, "minute": 17, "second": 48}
